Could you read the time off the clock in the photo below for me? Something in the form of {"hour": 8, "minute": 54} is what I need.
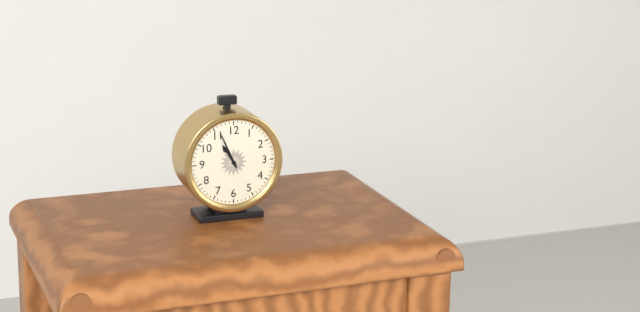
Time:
{"hour": 10, "minute": 56}
